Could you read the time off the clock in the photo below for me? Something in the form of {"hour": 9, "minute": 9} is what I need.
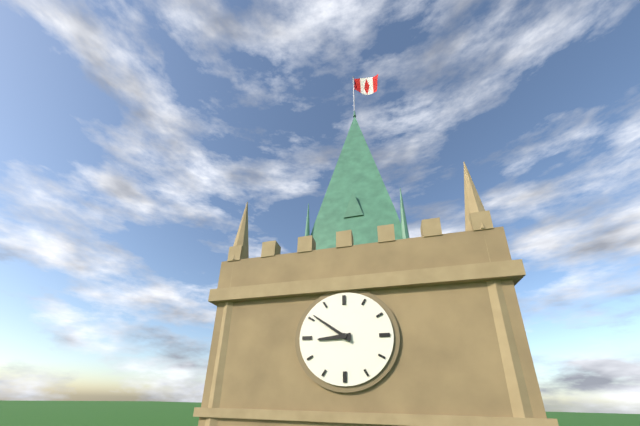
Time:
{"hour": 8, "minute": 51}
